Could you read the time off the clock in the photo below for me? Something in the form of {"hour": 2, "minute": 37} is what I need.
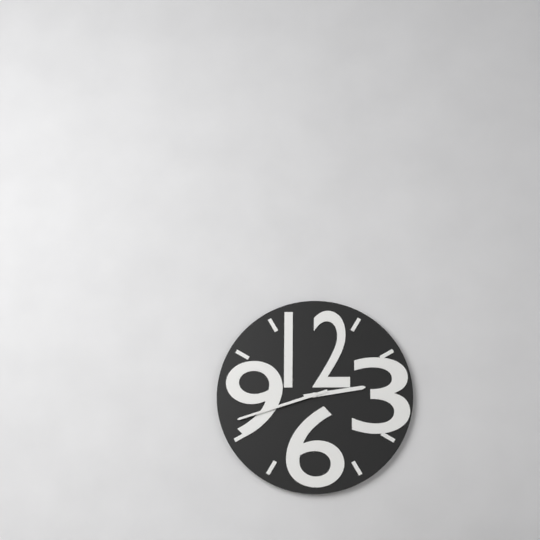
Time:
{"hour": 2, "minute": 42}
